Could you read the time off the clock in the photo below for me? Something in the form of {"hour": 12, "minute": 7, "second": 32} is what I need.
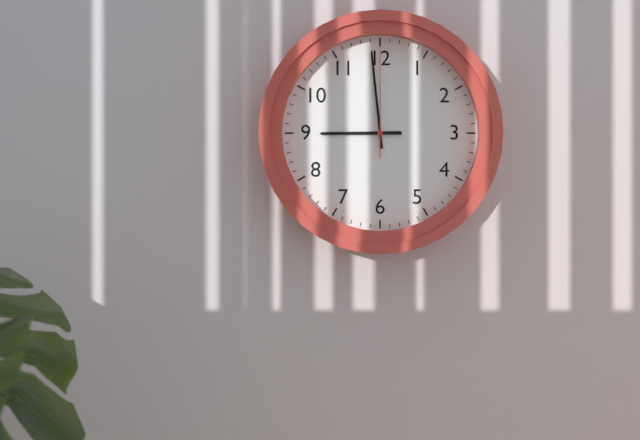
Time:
{"hour": 8, "minute": 59, "second": 0}
